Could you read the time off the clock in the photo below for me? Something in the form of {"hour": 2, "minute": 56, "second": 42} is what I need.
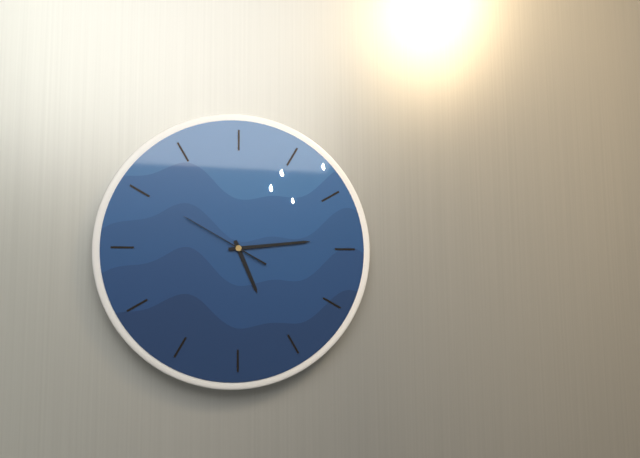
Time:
{"hour": 5, "minute": 14, "second": 50}
